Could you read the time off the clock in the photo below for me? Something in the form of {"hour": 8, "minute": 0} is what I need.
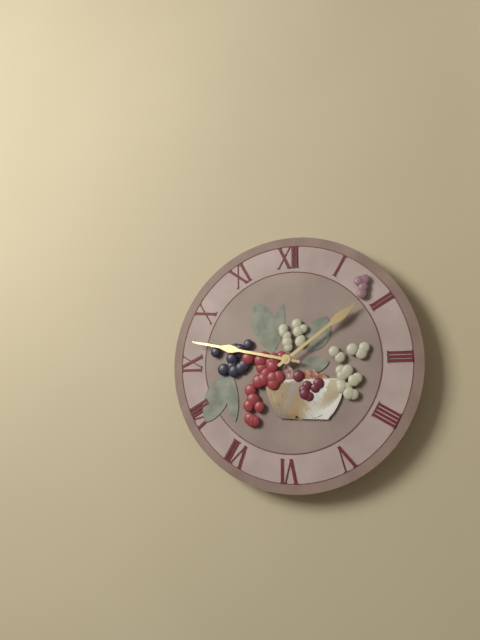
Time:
{"hour": 1, "minute": 47}
